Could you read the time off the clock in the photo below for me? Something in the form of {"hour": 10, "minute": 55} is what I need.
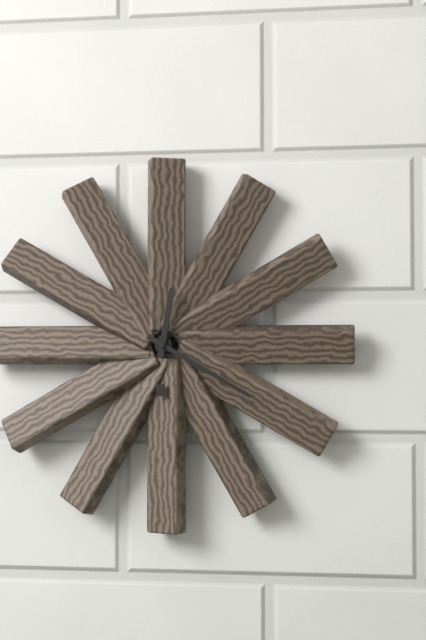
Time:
{"hour": 12, "minute": 20}
